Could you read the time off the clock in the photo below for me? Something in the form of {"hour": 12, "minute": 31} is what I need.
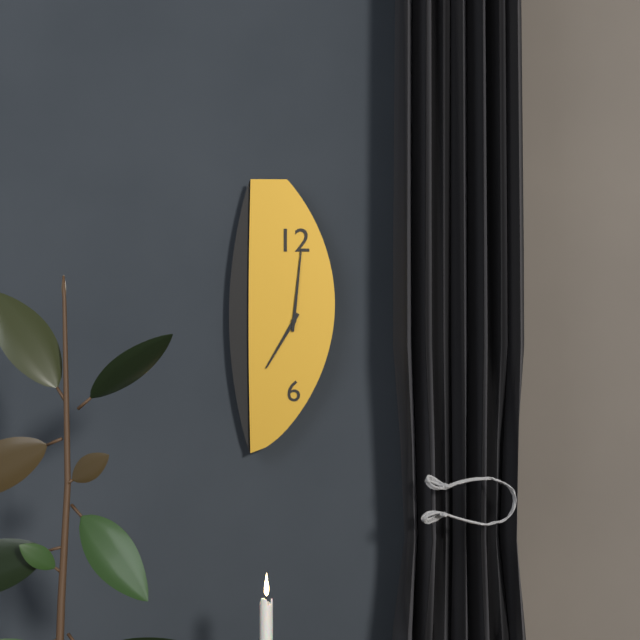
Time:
{"hour": 7, "minute": 1}
